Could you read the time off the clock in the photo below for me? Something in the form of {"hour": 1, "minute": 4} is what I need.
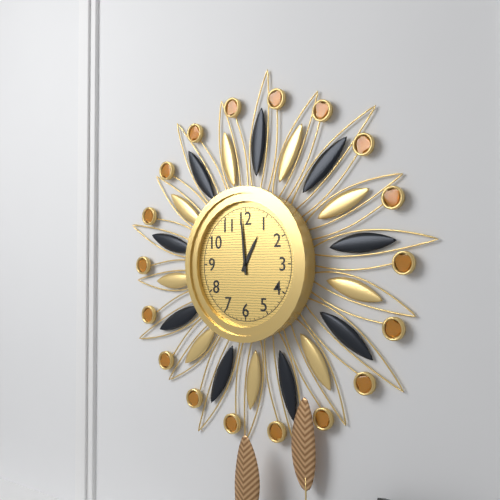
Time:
{"hour": 12, "minute": 59}
